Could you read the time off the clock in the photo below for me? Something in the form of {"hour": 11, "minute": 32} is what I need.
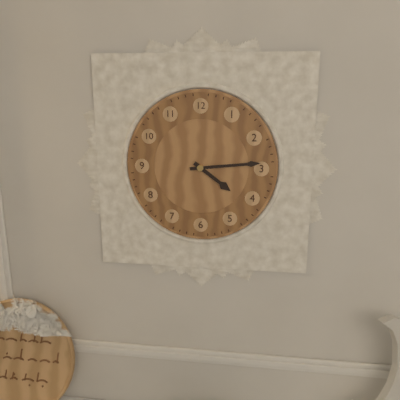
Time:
{"hour": 4, "minute": 14}
